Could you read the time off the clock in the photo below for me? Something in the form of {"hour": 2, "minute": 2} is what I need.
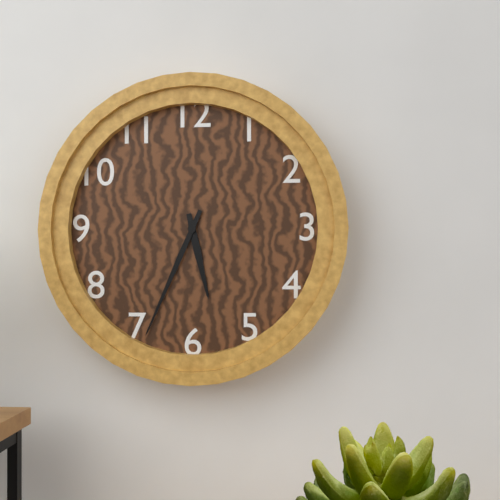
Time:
{"hour": 5, "minute": 34}
